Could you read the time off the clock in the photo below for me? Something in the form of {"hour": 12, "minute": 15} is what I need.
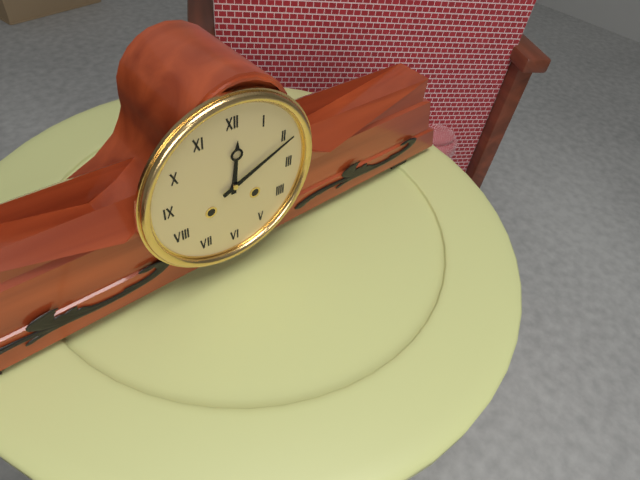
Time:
{"hour": 12, "minute": 11}
